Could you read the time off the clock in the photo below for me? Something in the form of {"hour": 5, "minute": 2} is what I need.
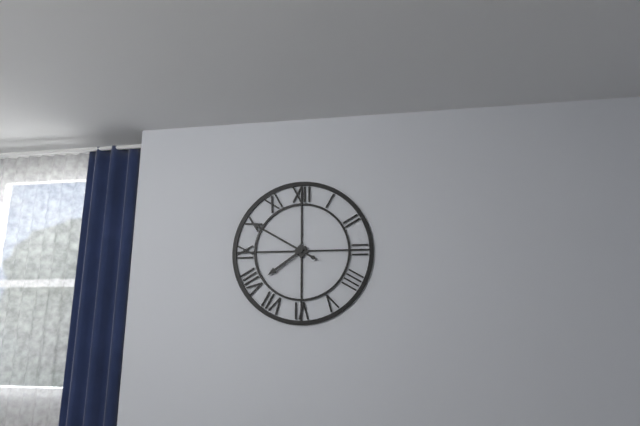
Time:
{"hour": 7, "minute": 50}
